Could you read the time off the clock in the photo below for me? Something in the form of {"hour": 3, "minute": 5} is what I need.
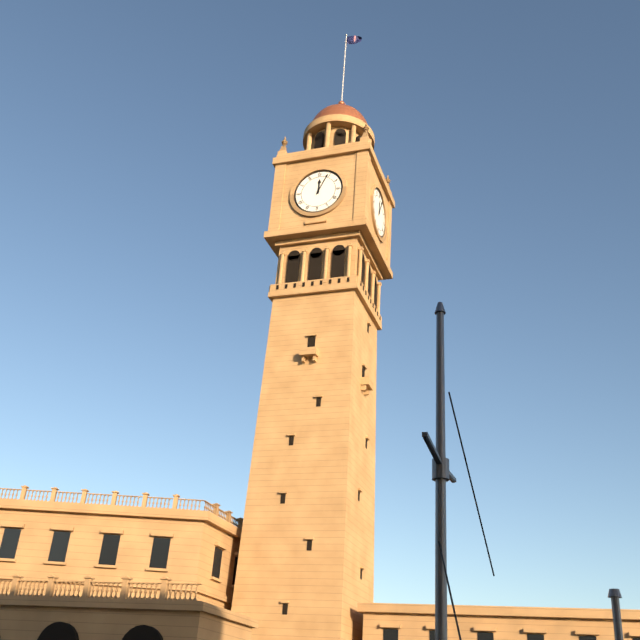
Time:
{"hour": 12, "minute": 4}
